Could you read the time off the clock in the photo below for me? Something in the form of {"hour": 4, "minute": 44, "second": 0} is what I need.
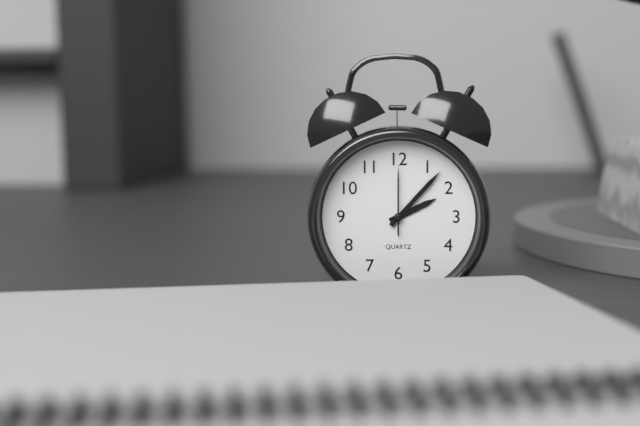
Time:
{"hour": 2, "minute": 7, "second": 0}
